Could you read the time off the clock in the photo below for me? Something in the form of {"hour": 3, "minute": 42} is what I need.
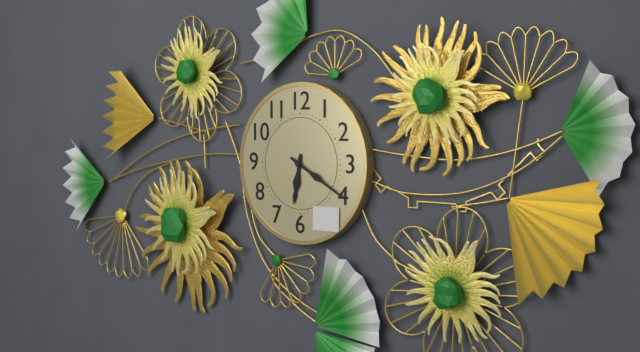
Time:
{"hour": 6, "minute": 20}
